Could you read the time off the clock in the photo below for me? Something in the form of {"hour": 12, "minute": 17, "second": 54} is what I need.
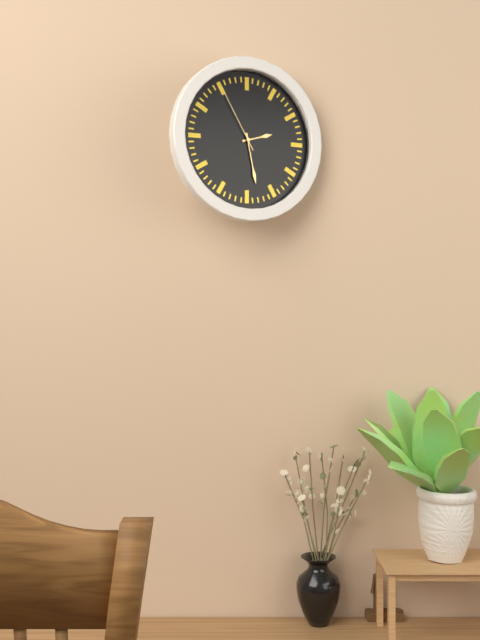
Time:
{"hour": 2, "minute": 28, "second": 55}
